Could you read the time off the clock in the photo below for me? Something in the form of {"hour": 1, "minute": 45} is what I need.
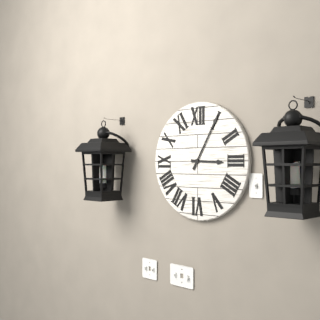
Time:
{"hour": 3, "minute": 5}
